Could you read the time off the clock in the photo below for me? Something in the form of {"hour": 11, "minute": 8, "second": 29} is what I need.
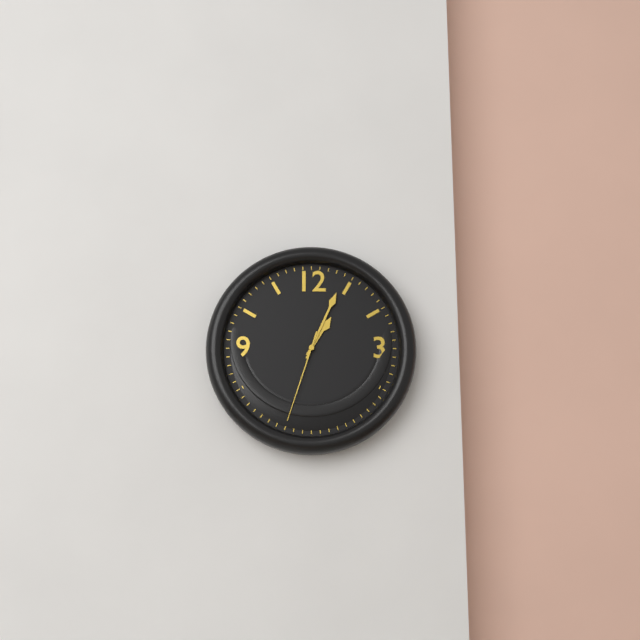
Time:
{"hour": 1, "minute": 4, "second": 33}
